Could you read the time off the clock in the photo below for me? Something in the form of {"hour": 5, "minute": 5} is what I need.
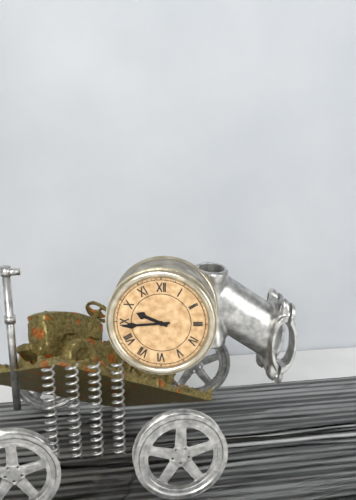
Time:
{"hour": 9, "minute": 44}
